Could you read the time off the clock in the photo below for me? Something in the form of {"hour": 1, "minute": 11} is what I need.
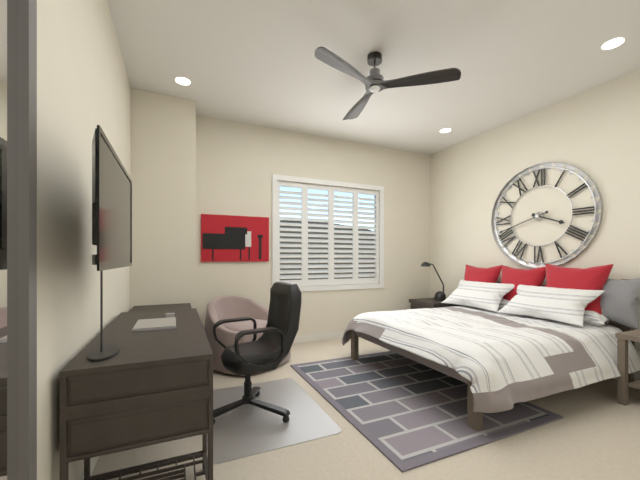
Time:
{"hour": 3, "minute": 42}
